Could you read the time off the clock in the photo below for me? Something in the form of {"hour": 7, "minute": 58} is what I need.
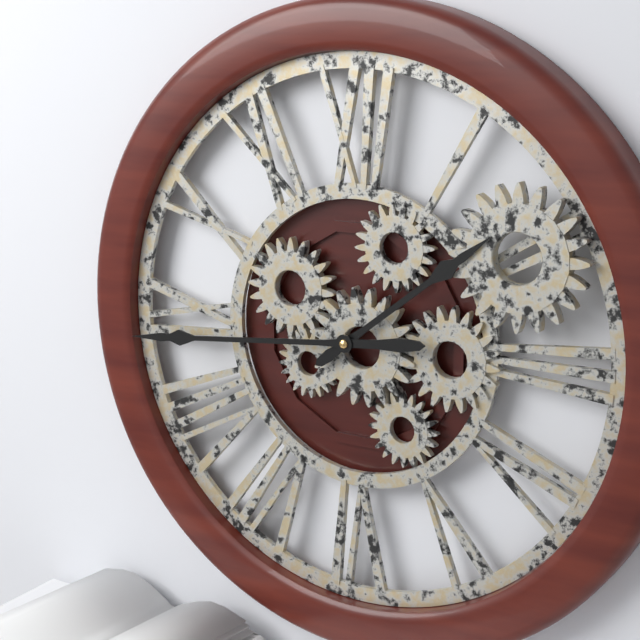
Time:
{"hour": 1, "minute": 44}
